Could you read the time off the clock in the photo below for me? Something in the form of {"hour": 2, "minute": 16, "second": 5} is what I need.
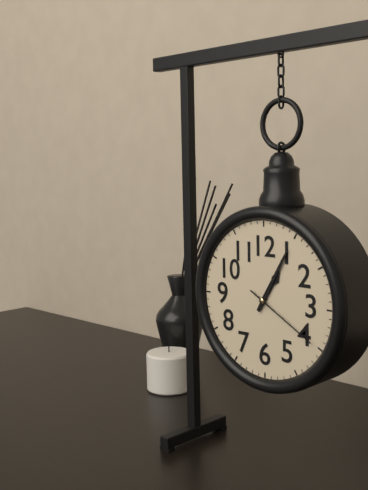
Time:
{"hour": 1, "minute": 5, "second": 20}
